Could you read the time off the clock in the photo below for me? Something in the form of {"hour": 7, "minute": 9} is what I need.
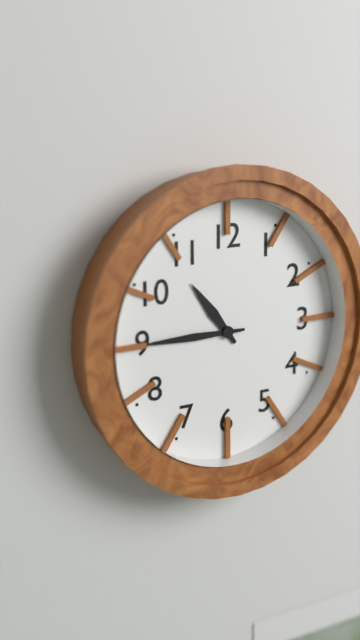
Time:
{"hour": 10, "minute": 45}
